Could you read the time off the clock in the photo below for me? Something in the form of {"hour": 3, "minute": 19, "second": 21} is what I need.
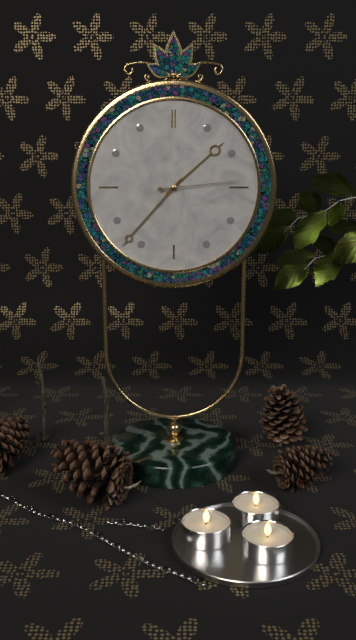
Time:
{"hour": 1, "minute": 37, "second": 14}
